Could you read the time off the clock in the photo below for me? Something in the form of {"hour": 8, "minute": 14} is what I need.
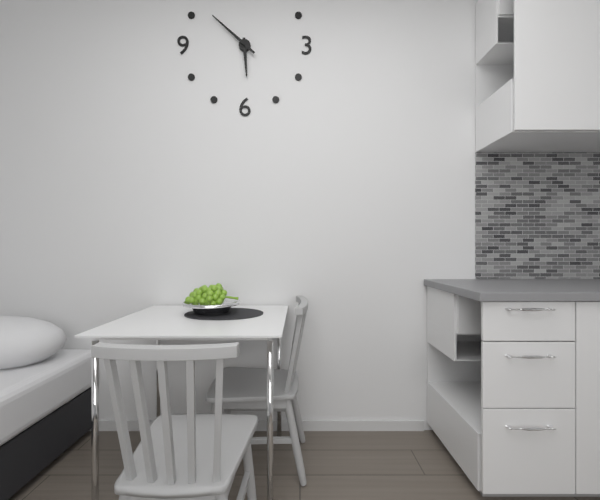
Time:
{"hour": 5, "minute": 52}
